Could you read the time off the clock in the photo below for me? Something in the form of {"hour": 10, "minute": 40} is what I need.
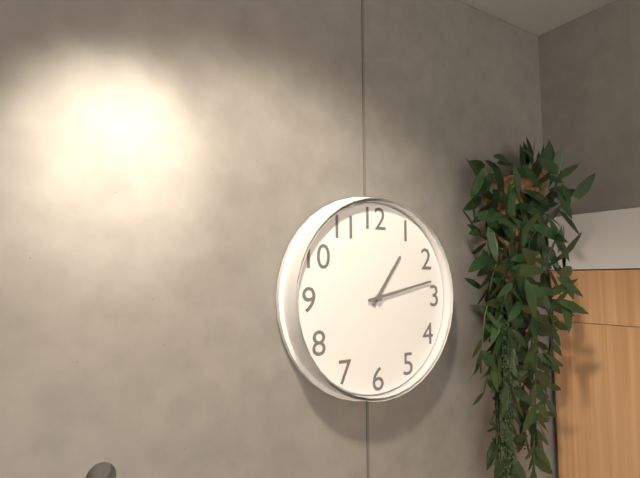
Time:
{"hour": 1, "minute": 13}
